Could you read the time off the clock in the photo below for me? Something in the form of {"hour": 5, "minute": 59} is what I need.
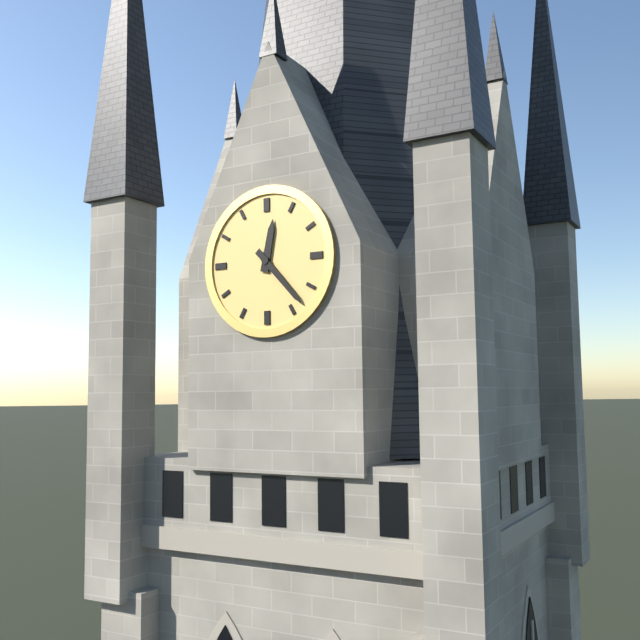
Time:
{"hour": 12, "minute": 23}
